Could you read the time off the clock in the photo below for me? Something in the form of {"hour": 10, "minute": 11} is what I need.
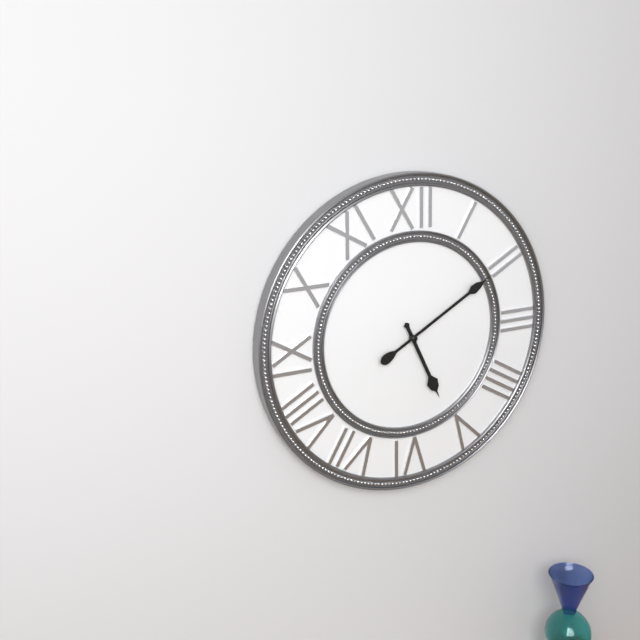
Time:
{"hour": 5, "minute": 10}
